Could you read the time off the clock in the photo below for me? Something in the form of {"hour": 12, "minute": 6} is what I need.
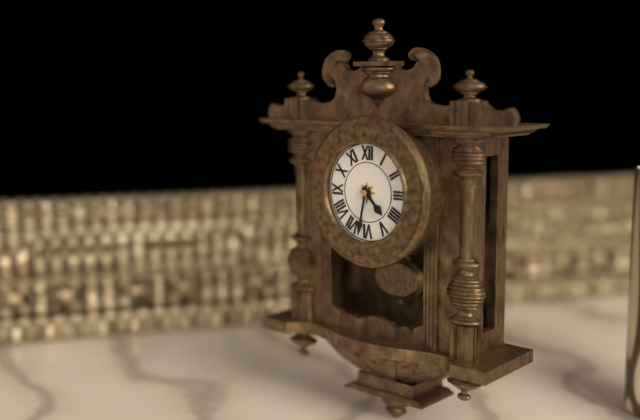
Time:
{"hour": 4, "minute": 32}
